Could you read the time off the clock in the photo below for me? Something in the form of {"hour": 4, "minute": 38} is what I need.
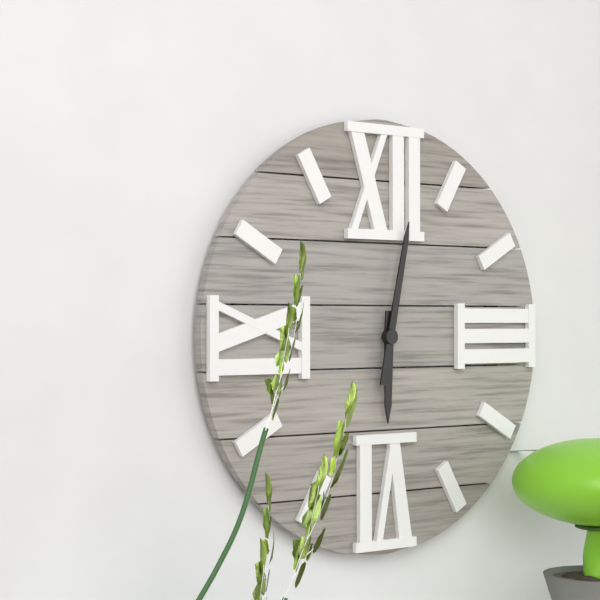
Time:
{"hour": 6, "minute": 2}
